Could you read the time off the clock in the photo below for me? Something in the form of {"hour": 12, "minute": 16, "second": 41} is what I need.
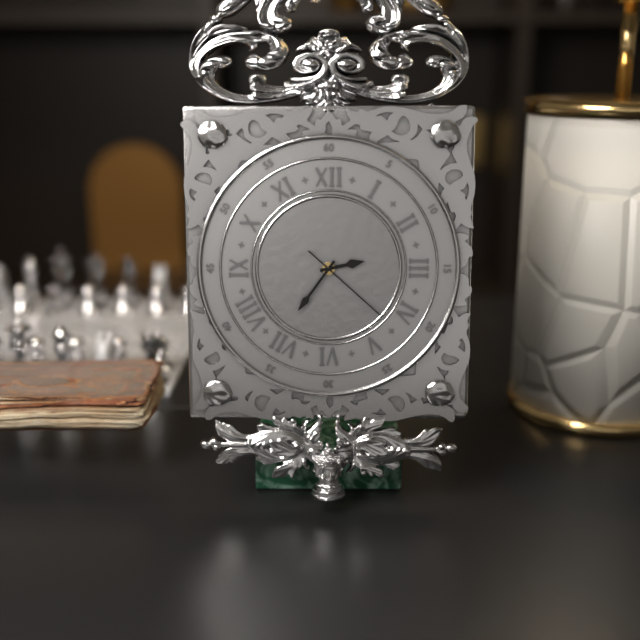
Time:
{"hour": 2, "minute": 36, "second": 22}
